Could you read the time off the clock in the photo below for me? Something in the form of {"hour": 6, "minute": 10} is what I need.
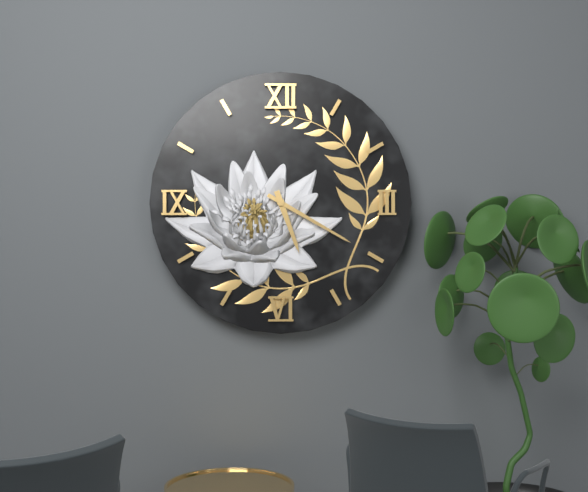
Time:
{"hour": 5, "minute": 20}
